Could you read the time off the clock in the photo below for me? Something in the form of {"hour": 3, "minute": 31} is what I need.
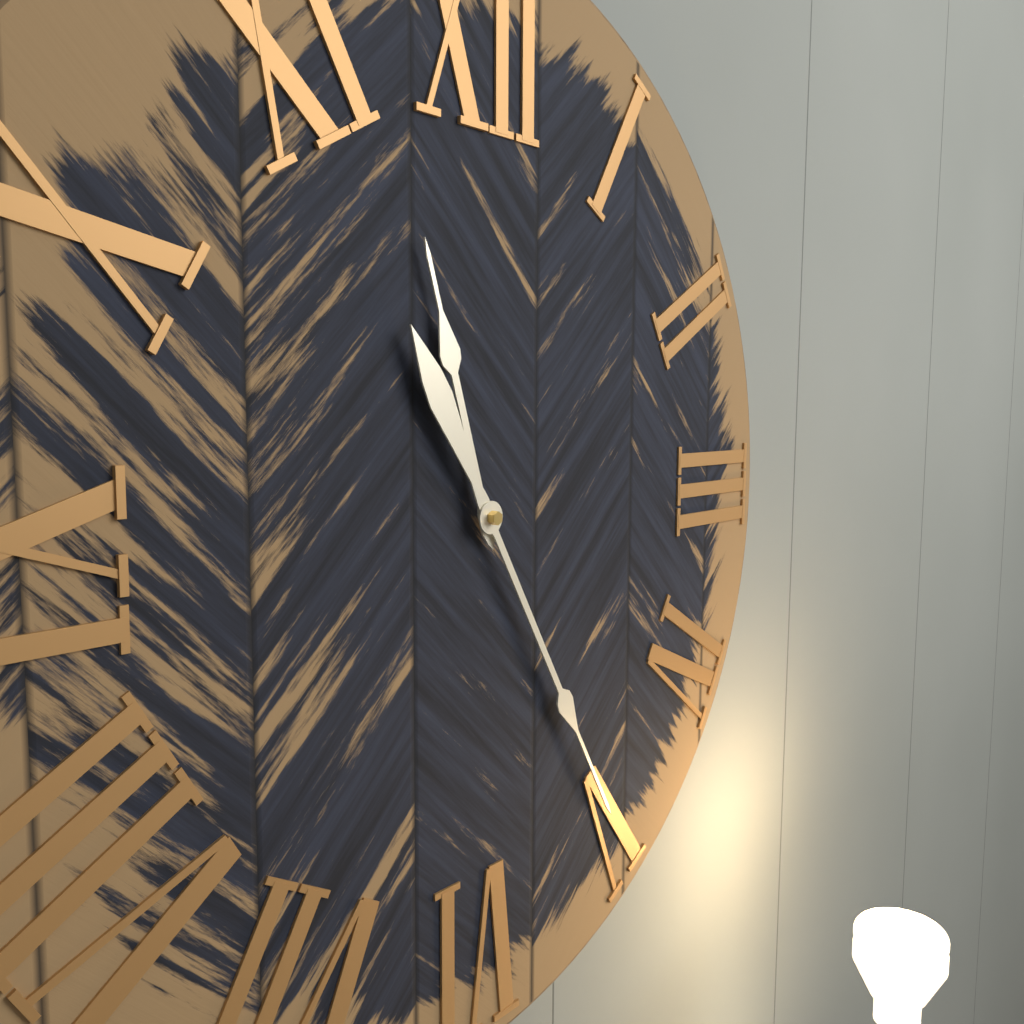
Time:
{"hour": 11, "minute": 25}
